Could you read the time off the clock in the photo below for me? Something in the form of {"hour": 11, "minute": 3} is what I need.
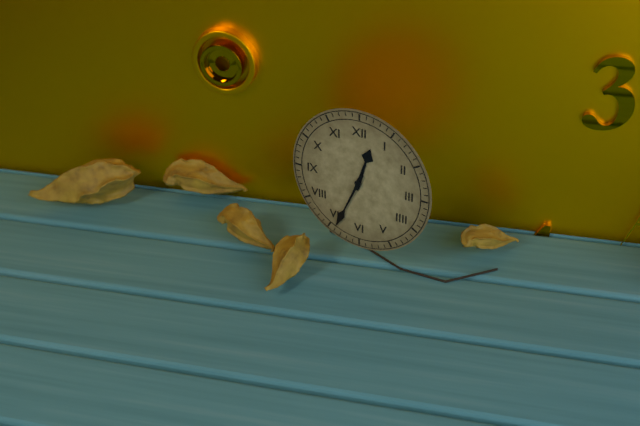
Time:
{"hour": 12, "minute": 34}
